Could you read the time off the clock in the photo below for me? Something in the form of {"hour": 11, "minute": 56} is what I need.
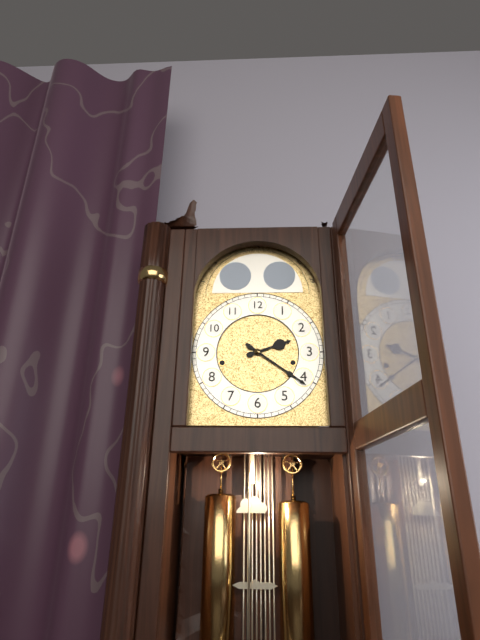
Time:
{"hour": 2, "minute": 21}
